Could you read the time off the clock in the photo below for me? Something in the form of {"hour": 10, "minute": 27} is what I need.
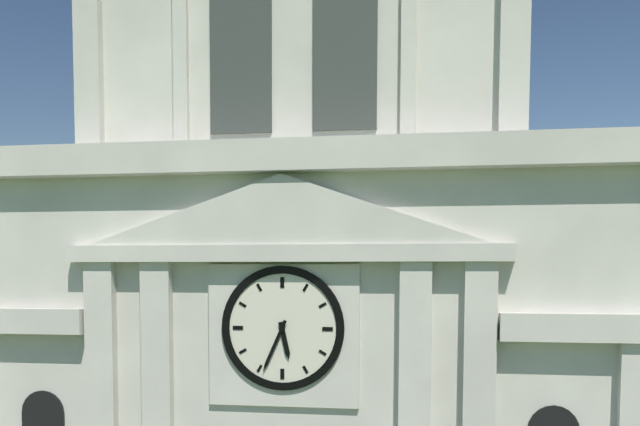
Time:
{"hour": 5, "minute": 34}
